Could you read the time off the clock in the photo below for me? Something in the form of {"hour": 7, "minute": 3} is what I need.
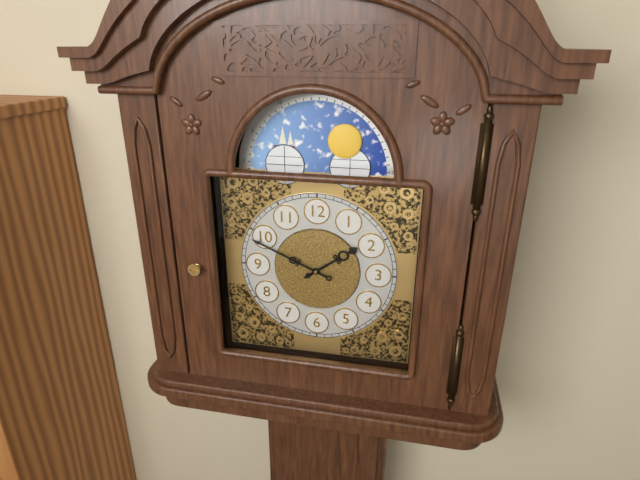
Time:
{"hour": 1, "minute": 49}
